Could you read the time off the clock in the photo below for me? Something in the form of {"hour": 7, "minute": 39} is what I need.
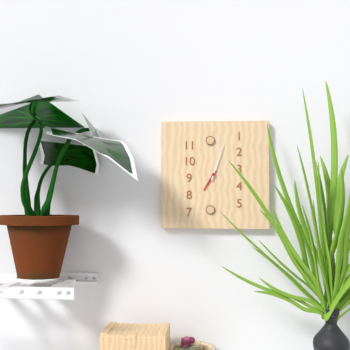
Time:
{"hour": 7, "minute": 3}
